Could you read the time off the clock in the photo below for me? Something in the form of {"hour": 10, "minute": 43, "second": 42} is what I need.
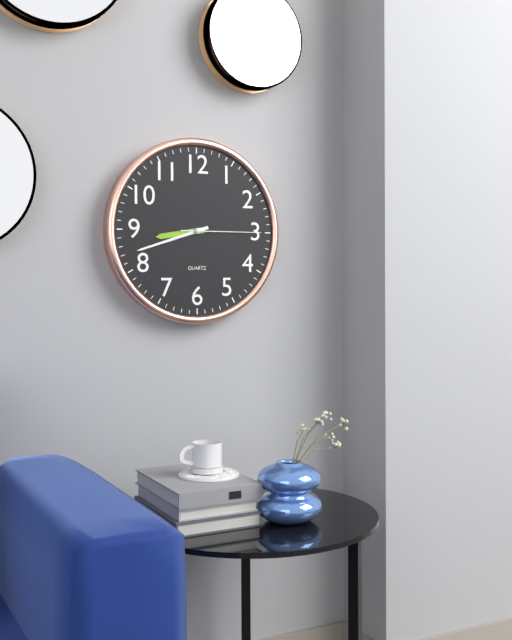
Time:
{"hour": 8, "minute": 42, "second": 15}
